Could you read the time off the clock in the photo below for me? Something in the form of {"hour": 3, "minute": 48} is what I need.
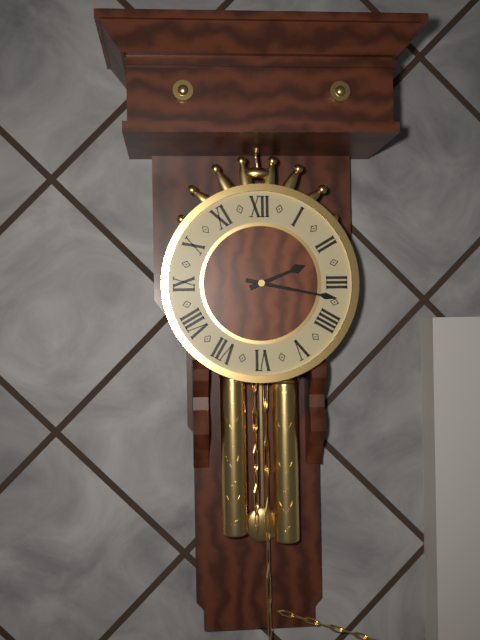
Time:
{"hour": 2, "minute": 17}
